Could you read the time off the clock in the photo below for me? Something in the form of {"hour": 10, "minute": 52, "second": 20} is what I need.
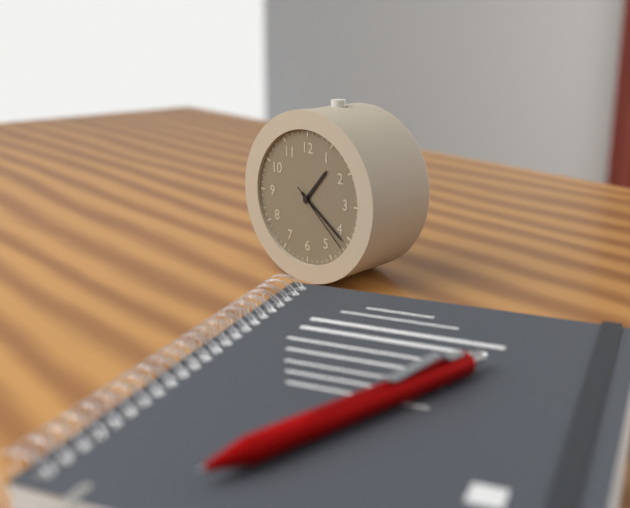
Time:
{"hour": 1, "minute": 21, "second": 22}
